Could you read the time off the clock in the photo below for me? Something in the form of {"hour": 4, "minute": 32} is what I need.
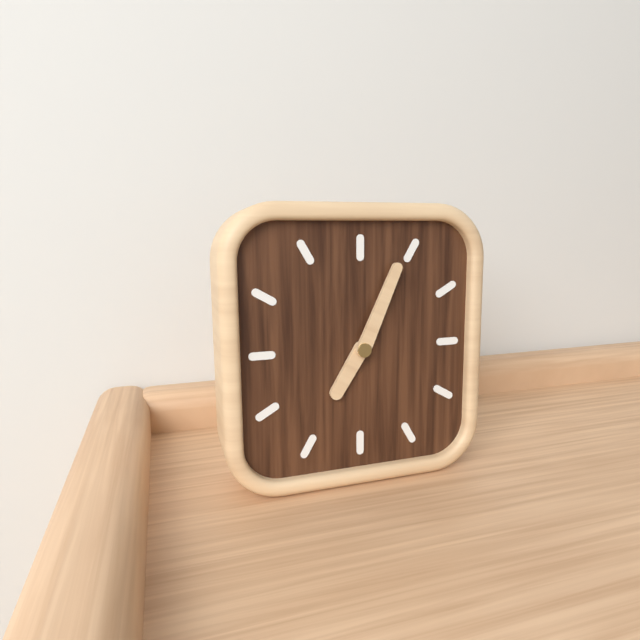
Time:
{"hour": 7, "minute": 4}
